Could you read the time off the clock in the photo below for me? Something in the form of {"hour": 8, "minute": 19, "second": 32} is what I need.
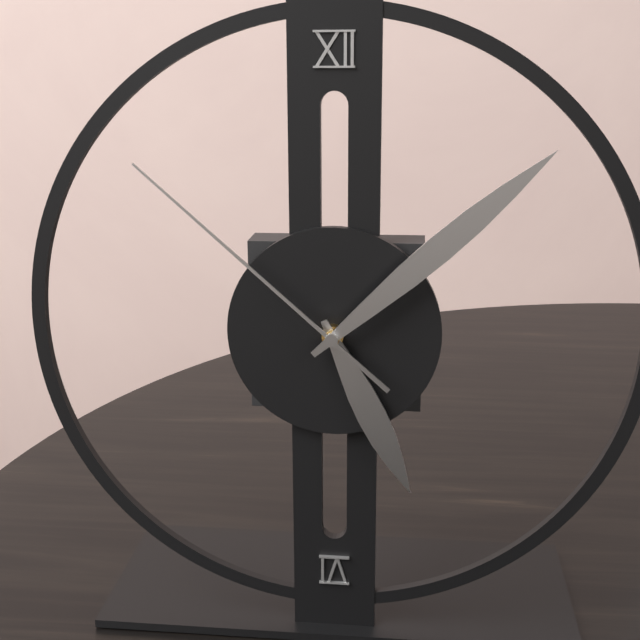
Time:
{"hour": 5, "minute": 8, "second": 52}
